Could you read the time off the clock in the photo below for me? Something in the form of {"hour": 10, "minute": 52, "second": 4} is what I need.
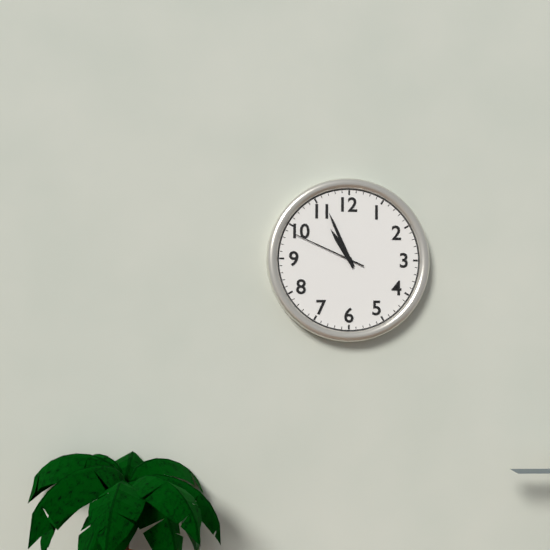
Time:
{"hour": 10, "minute": 56, "second": 49}
